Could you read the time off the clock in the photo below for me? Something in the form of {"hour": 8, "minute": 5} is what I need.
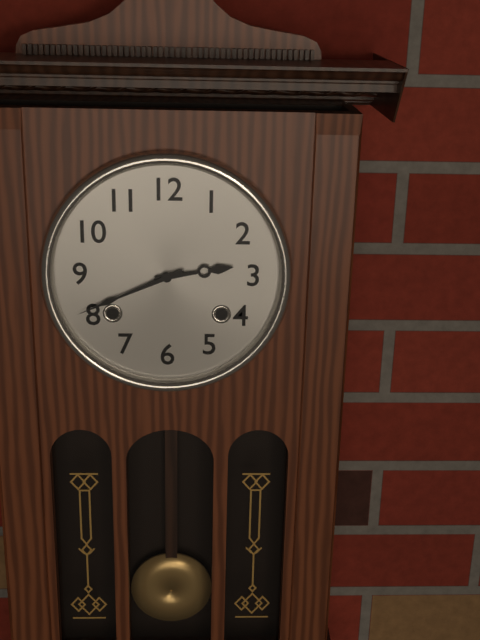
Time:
{"hour": 2, "minute": 41}
